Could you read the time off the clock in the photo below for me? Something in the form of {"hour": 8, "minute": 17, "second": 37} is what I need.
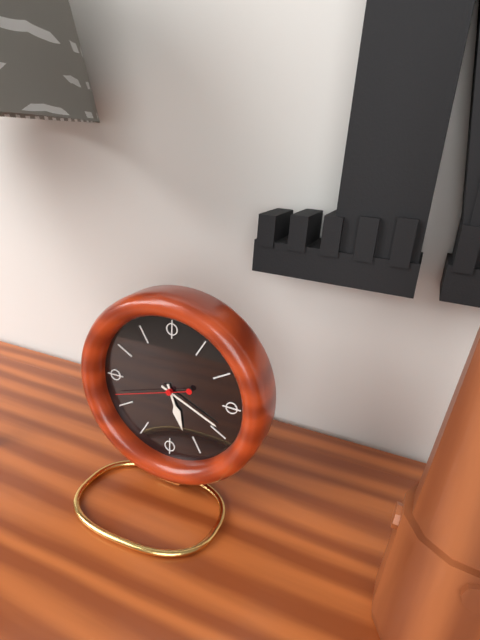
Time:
{"hour": 5, "minute": 19, "second": 42}
